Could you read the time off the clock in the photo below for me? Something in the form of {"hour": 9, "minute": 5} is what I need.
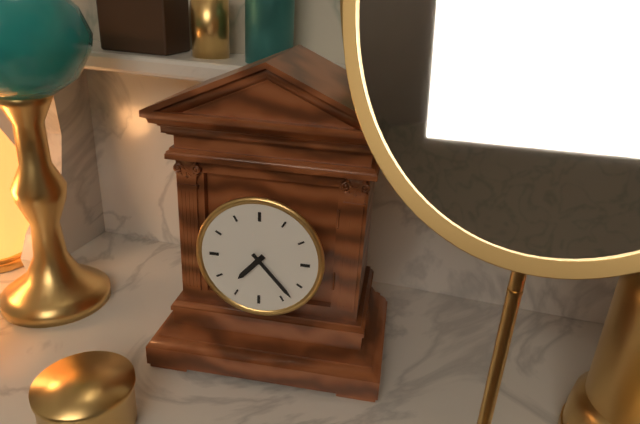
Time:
{"hour": 7, "minute": 23}
